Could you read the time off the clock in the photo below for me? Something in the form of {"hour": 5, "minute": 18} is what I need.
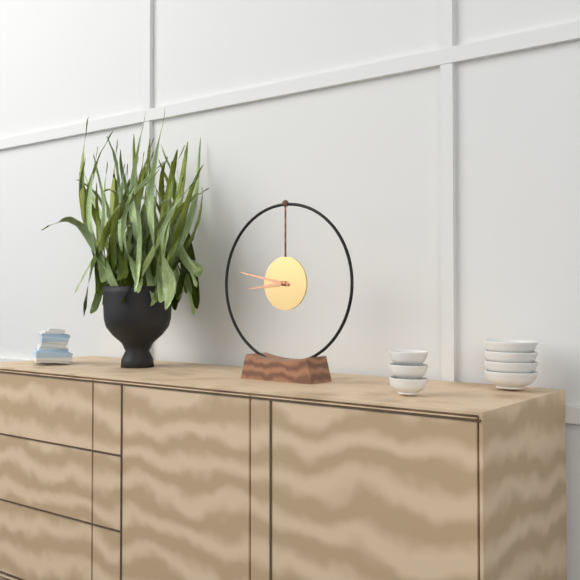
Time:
{"hour": 8, "minute": 47}
